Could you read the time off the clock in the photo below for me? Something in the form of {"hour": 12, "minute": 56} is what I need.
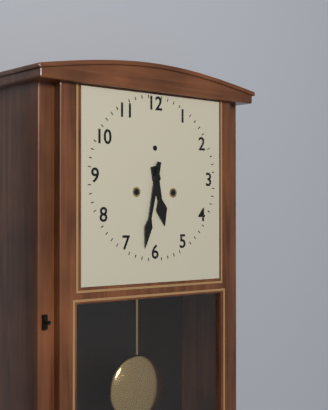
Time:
{"hour": 5, "minute": 32}
